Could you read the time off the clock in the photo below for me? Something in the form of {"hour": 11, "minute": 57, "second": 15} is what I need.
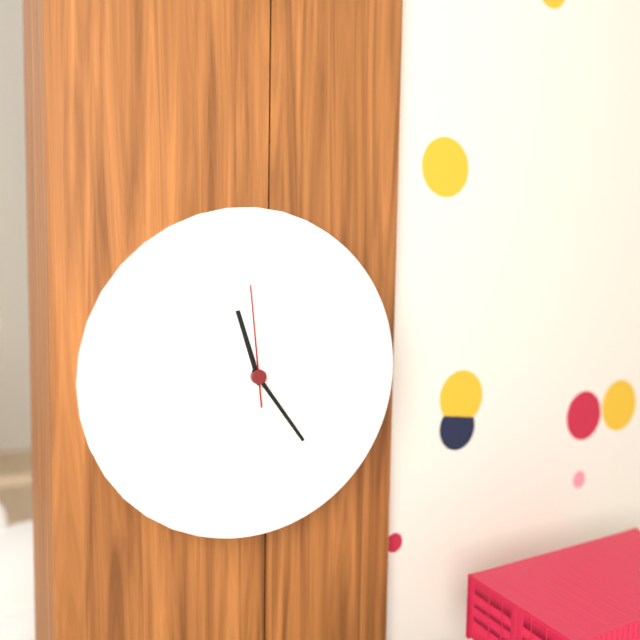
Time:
{"hour": 11, "minute": 24, "second": 59}
